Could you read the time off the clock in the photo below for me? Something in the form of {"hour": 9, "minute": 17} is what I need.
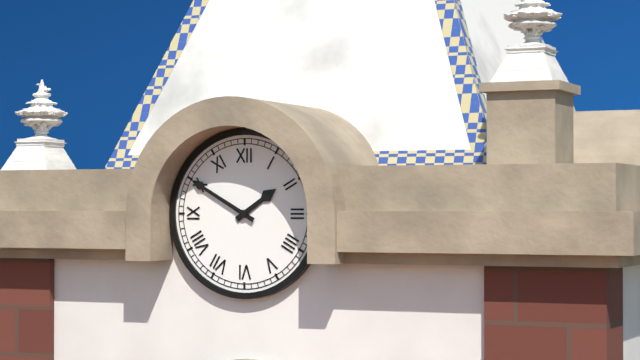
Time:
{"hour": 1, "minute": 50}
